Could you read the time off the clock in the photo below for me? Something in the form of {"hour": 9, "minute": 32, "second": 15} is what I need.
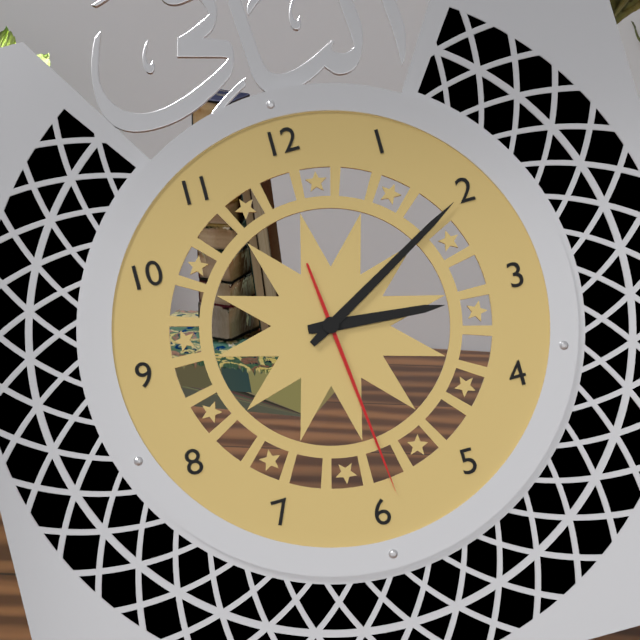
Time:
{"hour": 3, "minute": 10, "second": 29}
